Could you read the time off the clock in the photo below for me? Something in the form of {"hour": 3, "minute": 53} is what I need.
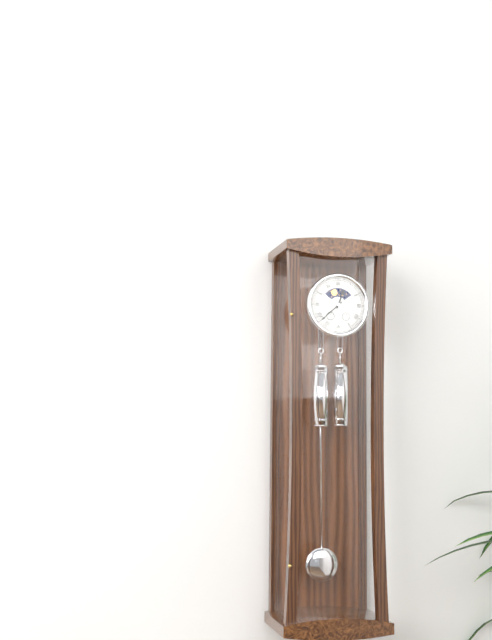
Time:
{"hour": 12, "minute": 38}
